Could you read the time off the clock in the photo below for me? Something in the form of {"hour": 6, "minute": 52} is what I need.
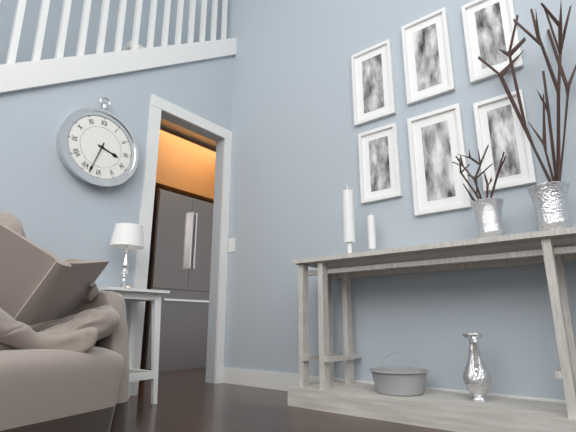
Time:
{"hour": 3, "minute": 33}
